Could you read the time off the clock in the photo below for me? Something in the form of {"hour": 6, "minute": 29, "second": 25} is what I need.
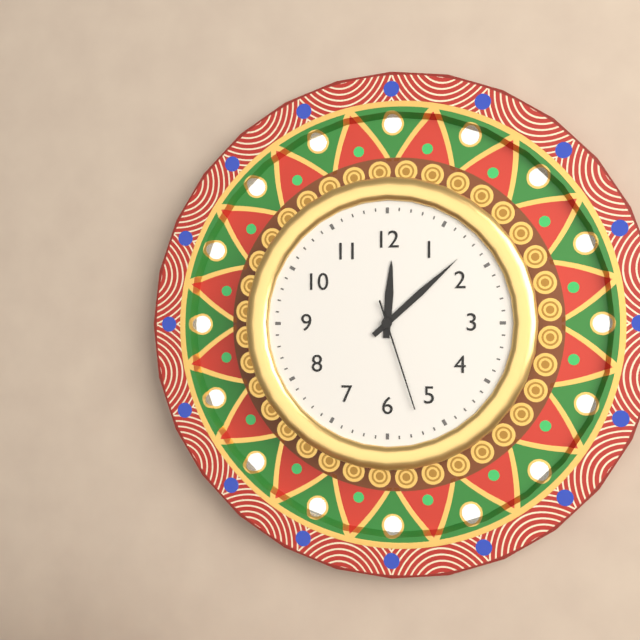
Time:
{"hour": 12, "minute": 8, "second": 27}
